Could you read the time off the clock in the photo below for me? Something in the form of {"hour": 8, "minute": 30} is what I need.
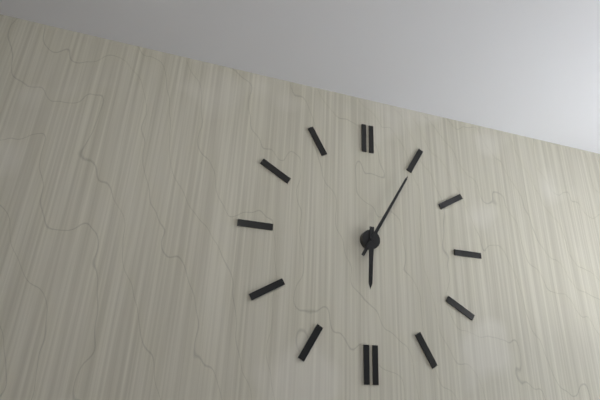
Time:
{"hour": 6, "minute": 5}
